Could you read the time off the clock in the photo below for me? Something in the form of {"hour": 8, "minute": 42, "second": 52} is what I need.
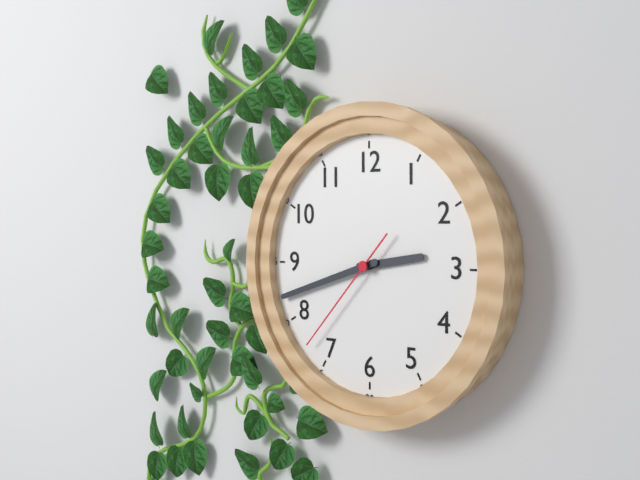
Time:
{"hour": 2, "minute": 42, "second": 37}
